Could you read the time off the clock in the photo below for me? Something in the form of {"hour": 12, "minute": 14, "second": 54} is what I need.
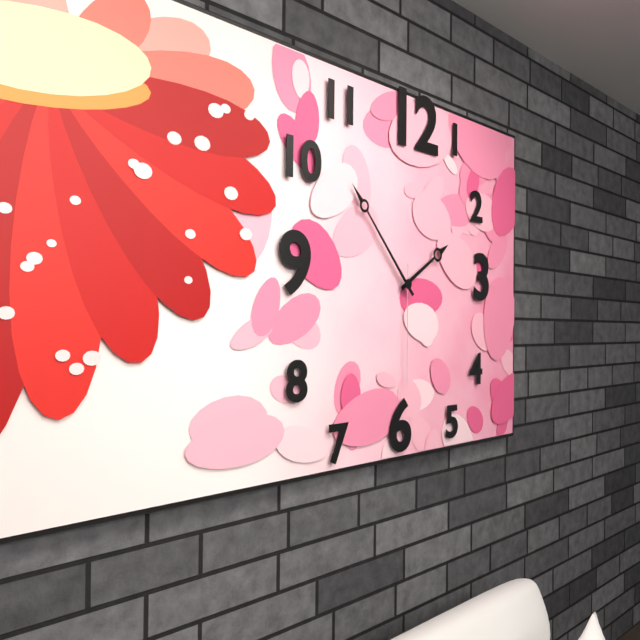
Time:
{"hour": 1, "minute": 53, "second": 30}
